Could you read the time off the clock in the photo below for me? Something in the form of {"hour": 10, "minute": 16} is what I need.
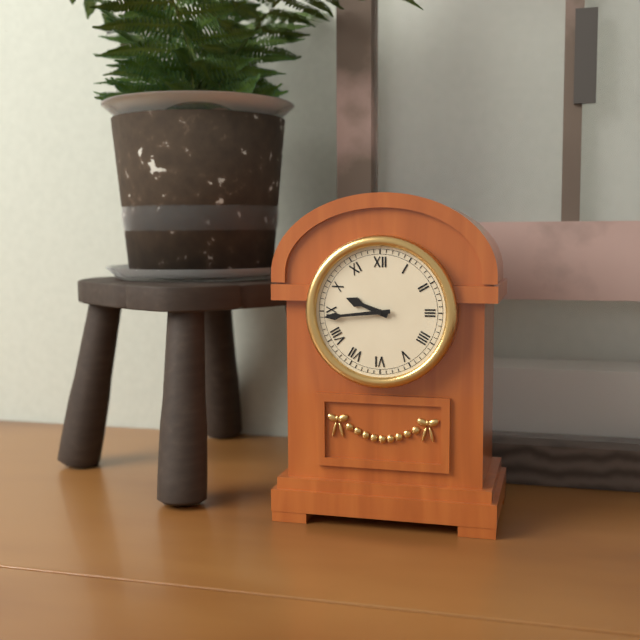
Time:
{"hour": 9, "minute": 44}
